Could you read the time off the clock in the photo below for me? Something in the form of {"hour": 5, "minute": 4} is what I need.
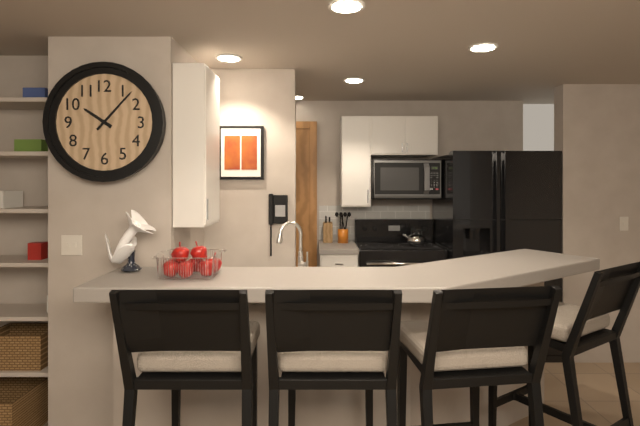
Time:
{"hour": 10, "minute": 7}
